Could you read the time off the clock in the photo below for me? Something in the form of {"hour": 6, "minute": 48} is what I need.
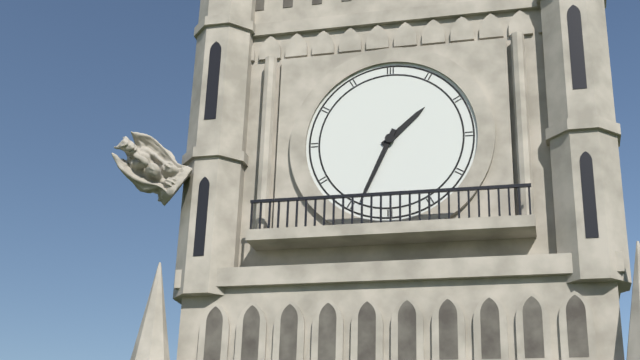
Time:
{"hour": 1, "minute": 34}
